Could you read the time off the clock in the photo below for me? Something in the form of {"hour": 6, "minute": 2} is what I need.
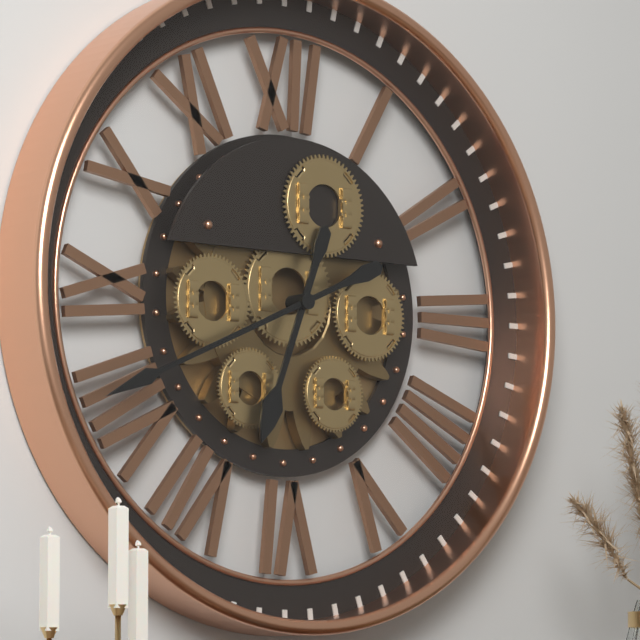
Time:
{"hour": 6, "minute": 41}
